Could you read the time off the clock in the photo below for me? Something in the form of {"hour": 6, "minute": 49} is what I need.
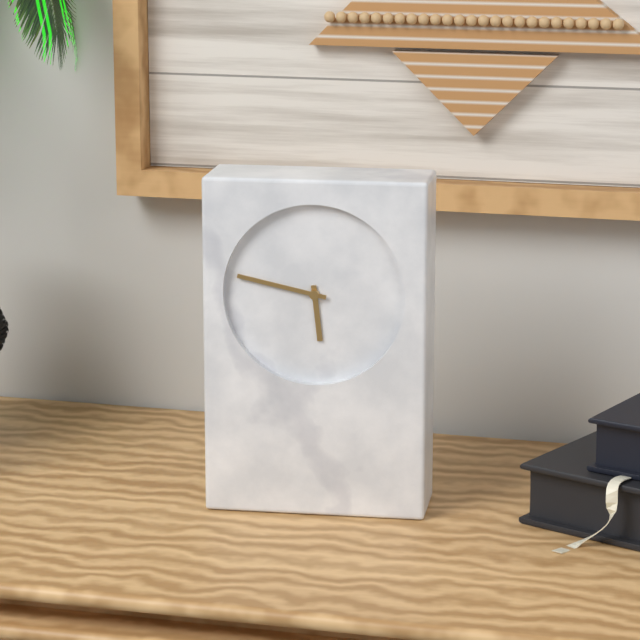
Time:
{"hour": 5, "minute": 47}
